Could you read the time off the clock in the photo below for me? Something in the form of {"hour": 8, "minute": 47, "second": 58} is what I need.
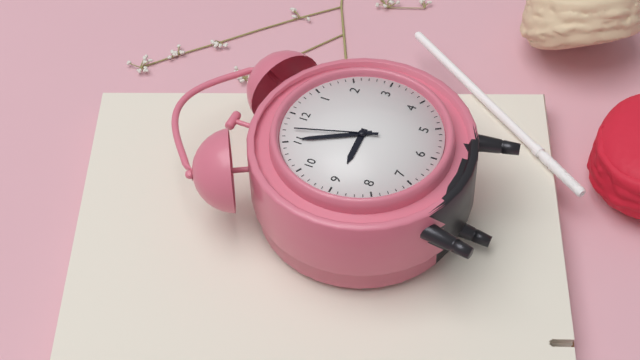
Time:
{"hour": 8, "minute": 55, "second": 57}
